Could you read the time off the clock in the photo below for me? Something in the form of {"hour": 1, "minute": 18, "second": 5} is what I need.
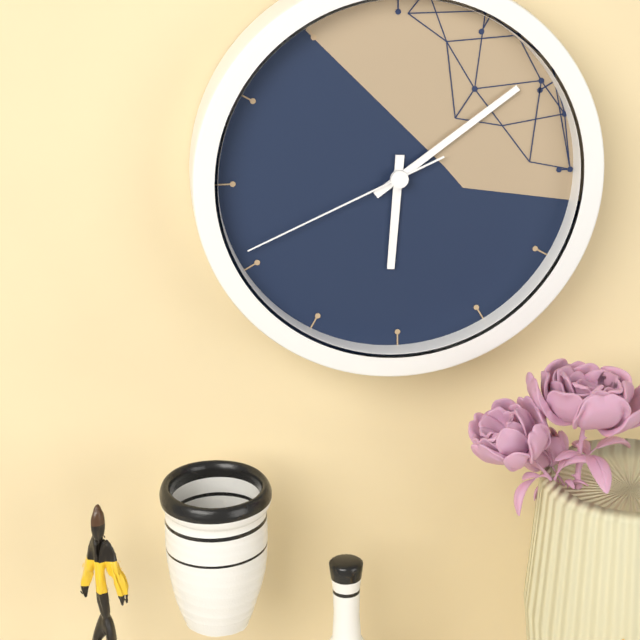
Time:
{"hour": 6, "minute": 9, "second": 41}
